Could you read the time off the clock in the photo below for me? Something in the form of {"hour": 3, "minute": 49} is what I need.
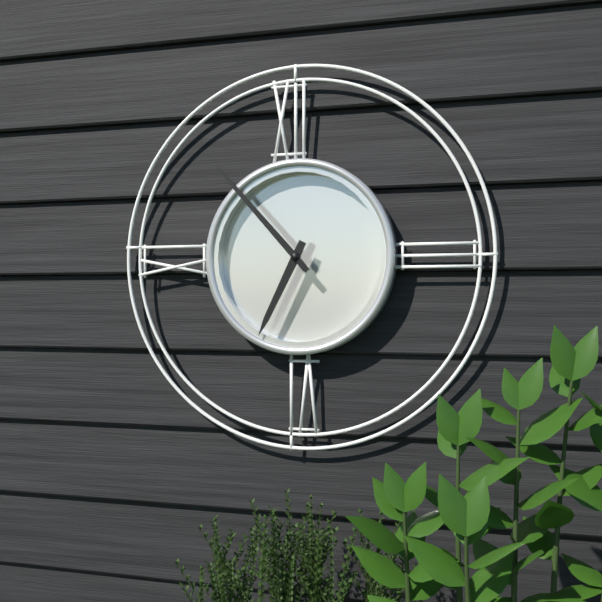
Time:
{"hour": 6, "minute": 53}
